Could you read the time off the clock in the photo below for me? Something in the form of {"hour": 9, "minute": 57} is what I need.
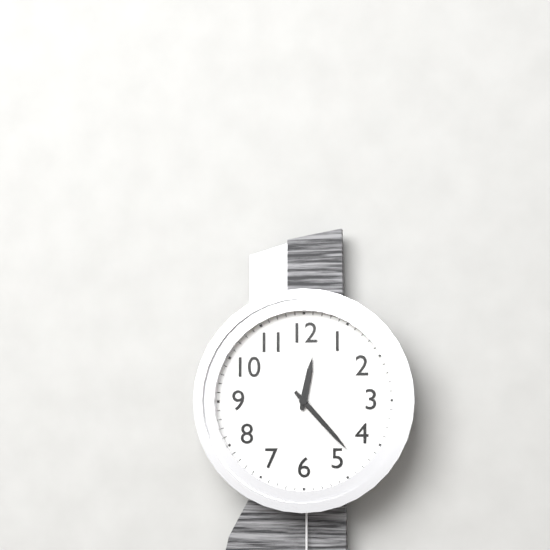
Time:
{"hour": 12, "minute": 23}
